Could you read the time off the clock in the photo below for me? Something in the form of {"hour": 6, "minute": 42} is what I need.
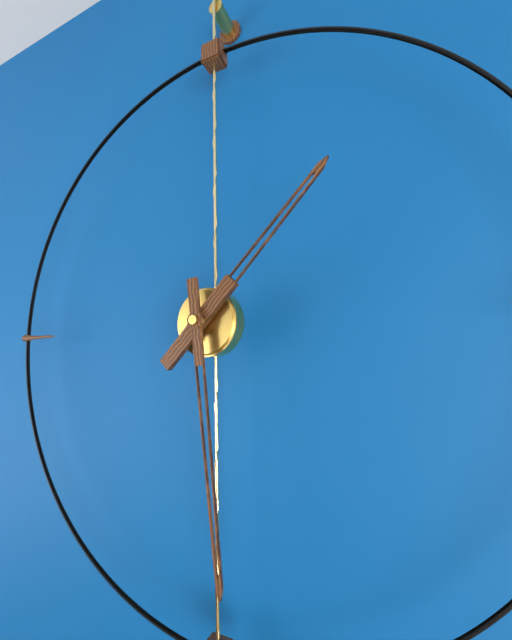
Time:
{"hour": 1, "minute": 29}
